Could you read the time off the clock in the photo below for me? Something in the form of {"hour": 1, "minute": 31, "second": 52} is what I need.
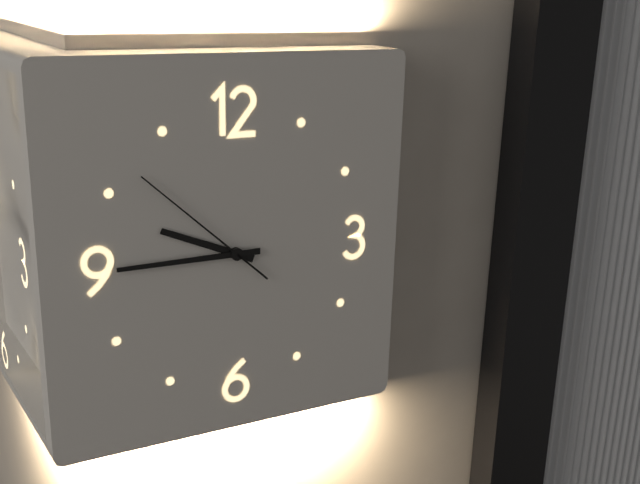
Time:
{"hour": 9, "minute": 45, "second": 52}
